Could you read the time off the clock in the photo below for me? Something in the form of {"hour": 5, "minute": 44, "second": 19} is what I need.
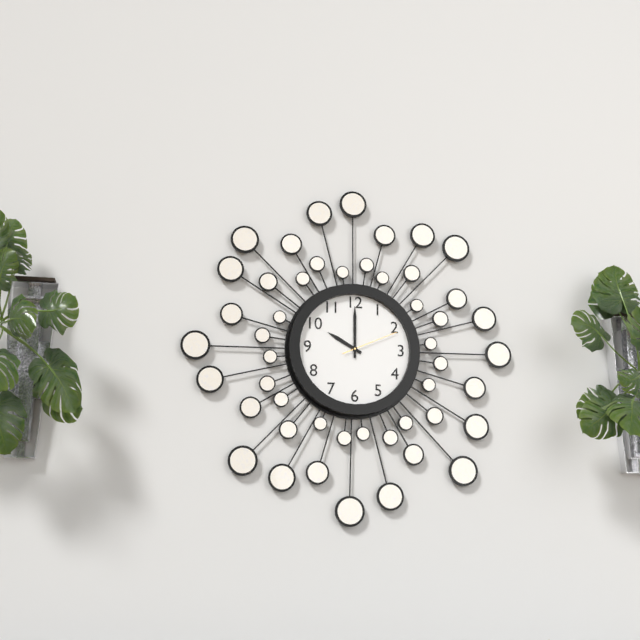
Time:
{"hour": 10, "minute": 0, "second": 11}
